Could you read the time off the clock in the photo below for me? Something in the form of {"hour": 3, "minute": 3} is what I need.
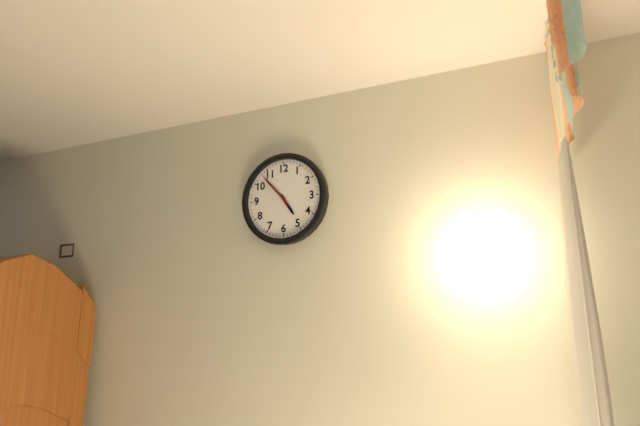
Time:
{"hour": 4, "minute": 53}
